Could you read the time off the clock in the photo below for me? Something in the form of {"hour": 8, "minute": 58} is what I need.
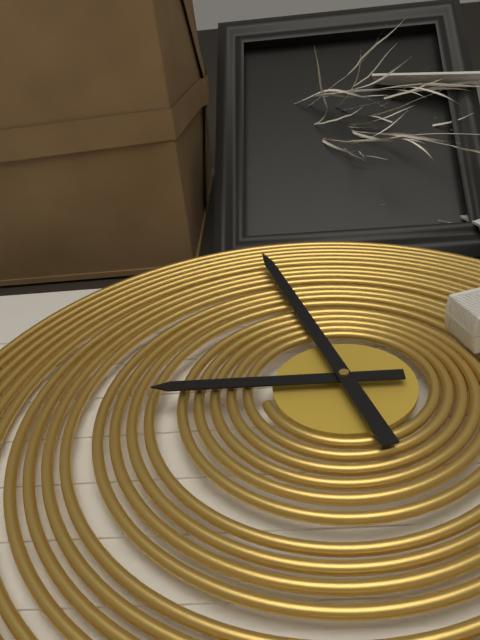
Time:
{"hour": 8, "minute": 57}
